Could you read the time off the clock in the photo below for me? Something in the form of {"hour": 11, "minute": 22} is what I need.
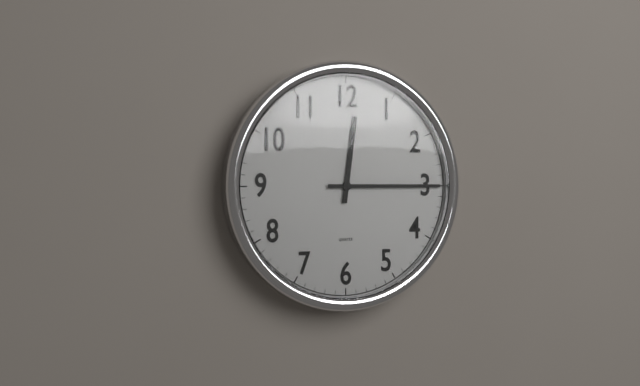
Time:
{"hour": 12, "minute": 15}
